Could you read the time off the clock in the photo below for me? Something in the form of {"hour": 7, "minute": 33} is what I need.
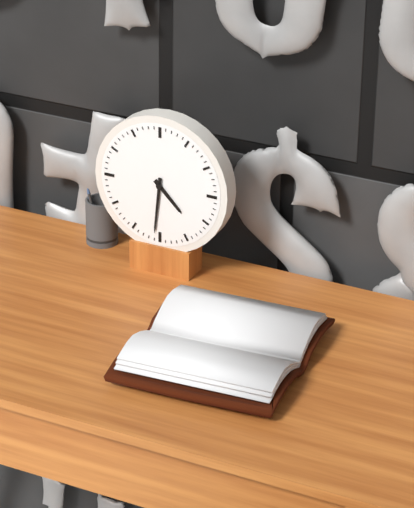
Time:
{"hour": 4, "minute": 31}
